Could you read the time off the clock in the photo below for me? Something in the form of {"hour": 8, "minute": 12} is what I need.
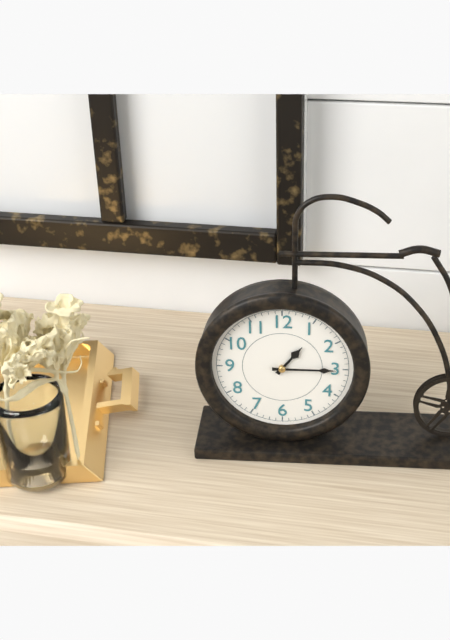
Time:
{"hour": 1, "minute": 15}
